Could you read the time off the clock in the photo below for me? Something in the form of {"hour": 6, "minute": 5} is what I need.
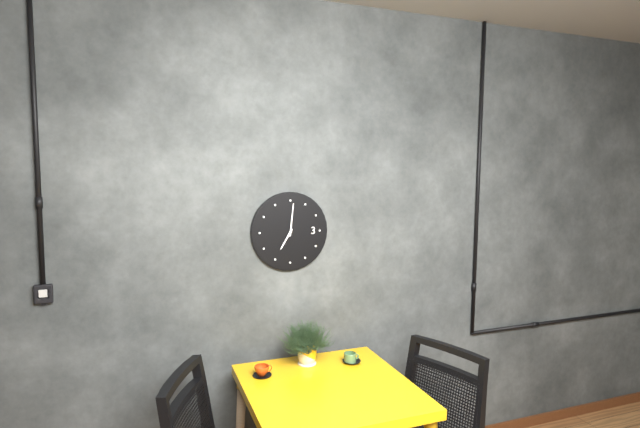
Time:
{"hour": 7, "minute": 1}
